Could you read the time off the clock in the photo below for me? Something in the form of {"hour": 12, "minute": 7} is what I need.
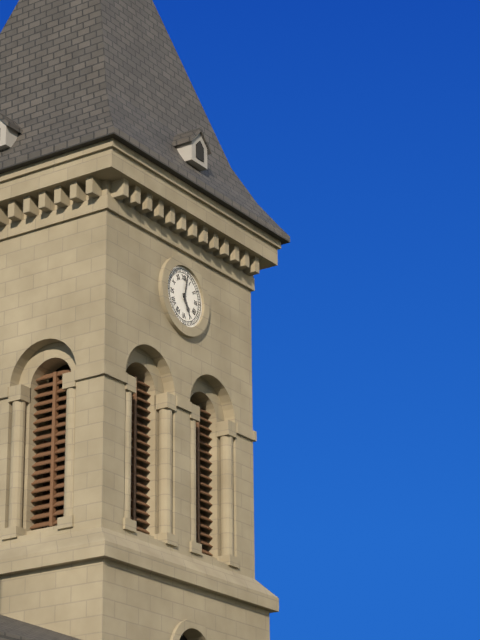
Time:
{"hour": 5, "minute": 2}
